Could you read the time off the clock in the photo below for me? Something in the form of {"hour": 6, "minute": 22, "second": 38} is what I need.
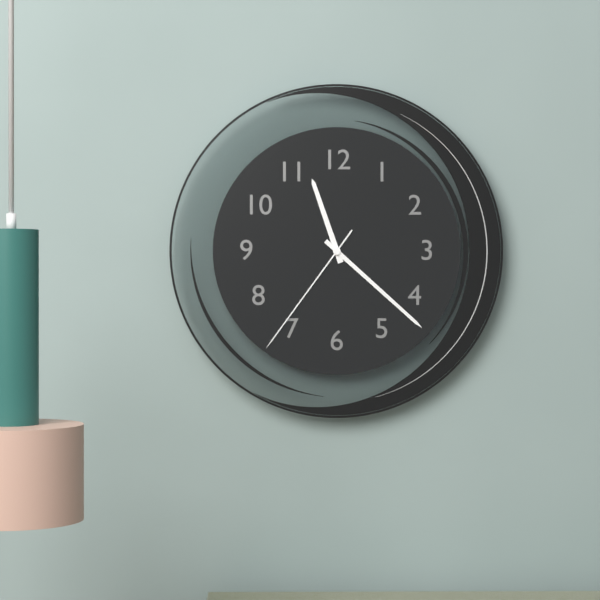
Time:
{"hour": 11, "minute": 22, "second": 36}
